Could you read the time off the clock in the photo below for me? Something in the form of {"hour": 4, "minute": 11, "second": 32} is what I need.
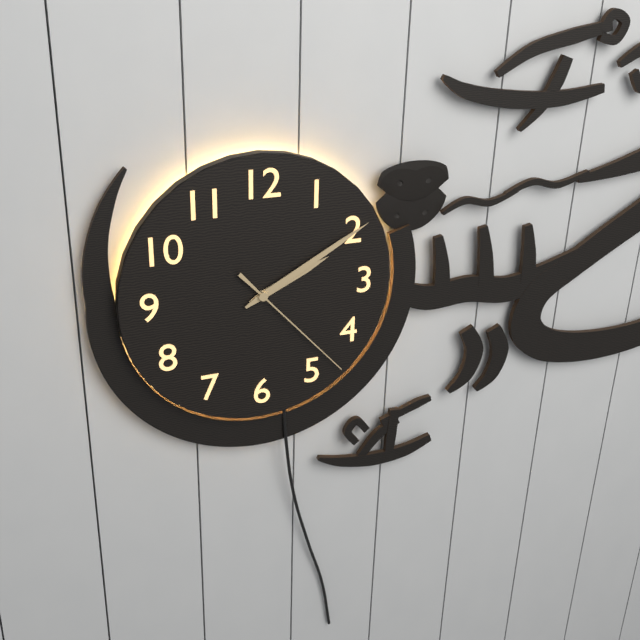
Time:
{"hour": 2, "minute": 10, "second": 23}
